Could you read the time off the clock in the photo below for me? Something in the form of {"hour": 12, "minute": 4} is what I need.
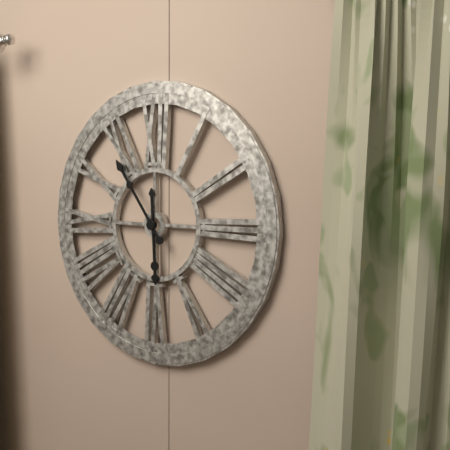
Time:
{"hour": 5, "minute": 54}
